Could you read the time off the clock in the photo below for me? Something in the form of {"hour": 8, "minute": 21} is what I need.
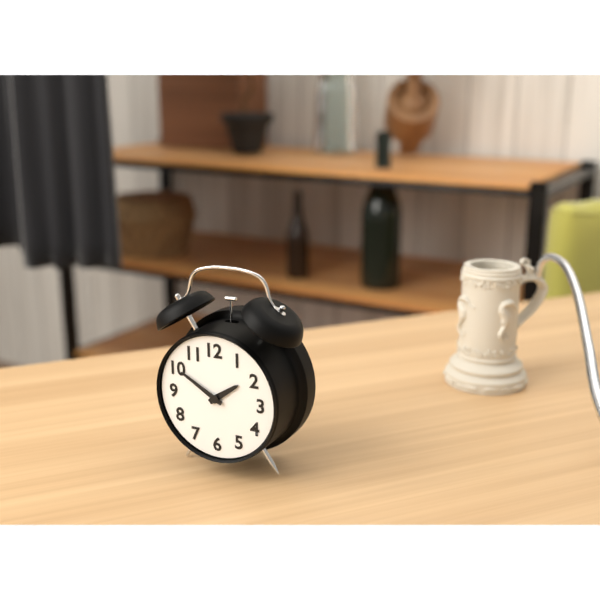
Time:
{"hour": 1, "minute": 50}
